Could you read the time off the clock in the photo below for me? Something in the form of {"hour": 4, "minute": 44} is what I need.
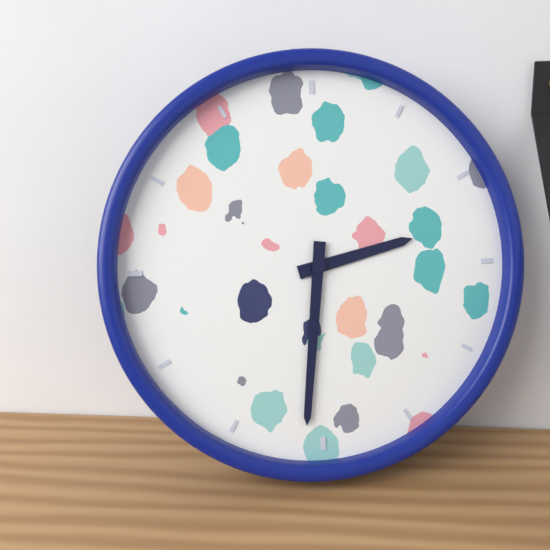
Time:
{"hour": 2, "minute": 31}
